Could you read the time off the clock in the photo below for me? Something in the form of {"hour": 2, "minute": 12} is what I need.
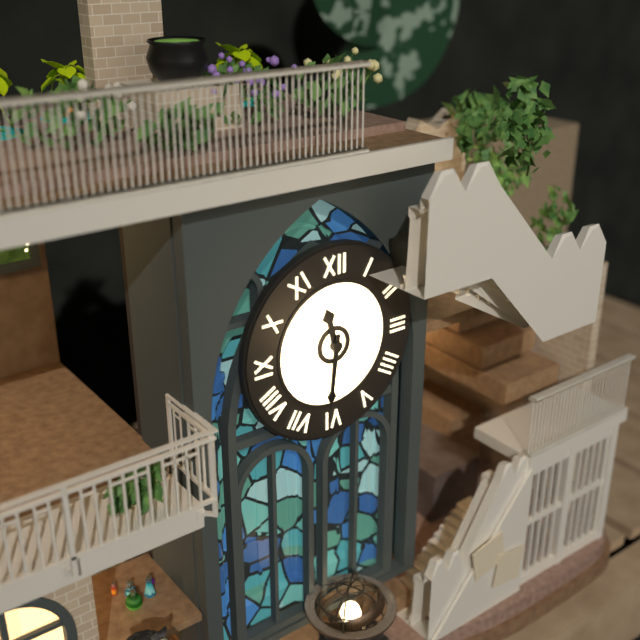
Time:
{"hour": 11, "minute": 31}
